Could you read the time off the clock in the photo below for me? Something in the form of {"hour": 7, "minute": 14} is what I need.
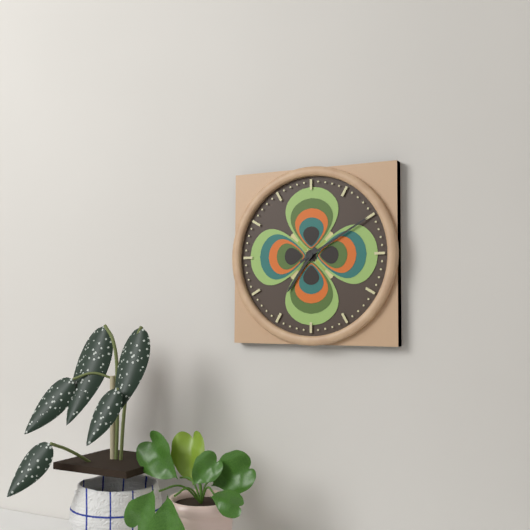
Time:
{"hour": 7, "minute": 10}
